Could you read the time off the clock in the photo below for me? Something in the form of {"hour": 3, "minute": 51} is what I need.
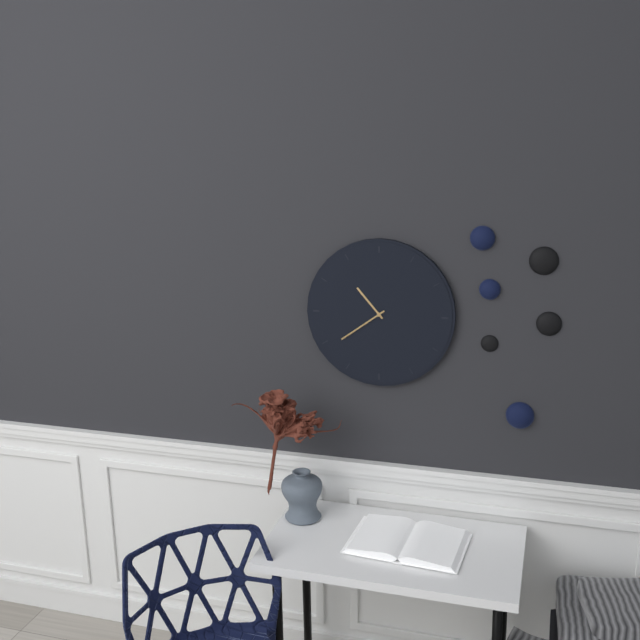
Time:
{"hour": 10, "minute": 39}
